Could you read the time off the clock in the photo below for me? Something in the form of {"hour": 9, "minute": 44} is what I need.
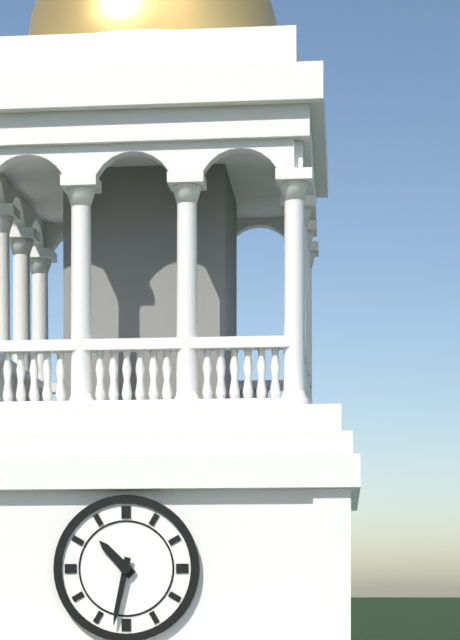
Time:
{"hour": 10, "minute": 32}
